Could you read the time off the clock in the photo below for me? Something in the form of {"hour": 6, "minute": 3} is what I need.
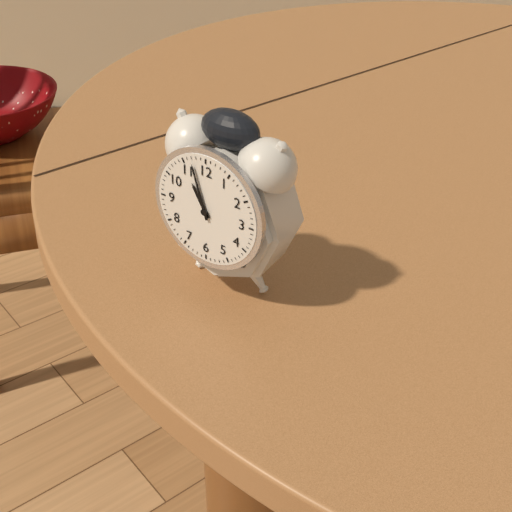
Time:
{"hour": 10, "minute": 57}
